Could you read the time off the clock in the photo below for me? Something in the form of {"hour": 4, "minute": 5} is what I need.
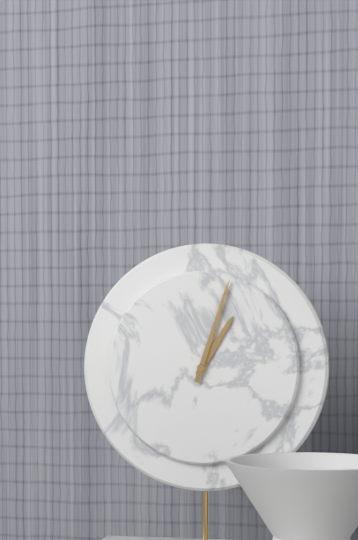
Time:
{"hour": 1, "minute": 3}
